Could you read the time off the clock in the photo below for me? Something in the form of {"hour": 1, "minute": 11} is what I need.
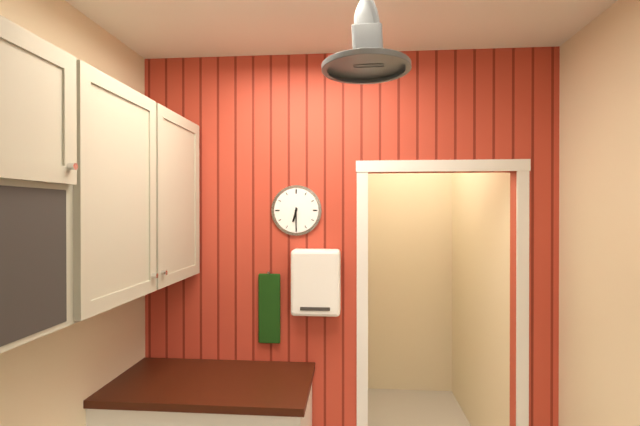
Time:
{"hour": 6, "minute": 30}
